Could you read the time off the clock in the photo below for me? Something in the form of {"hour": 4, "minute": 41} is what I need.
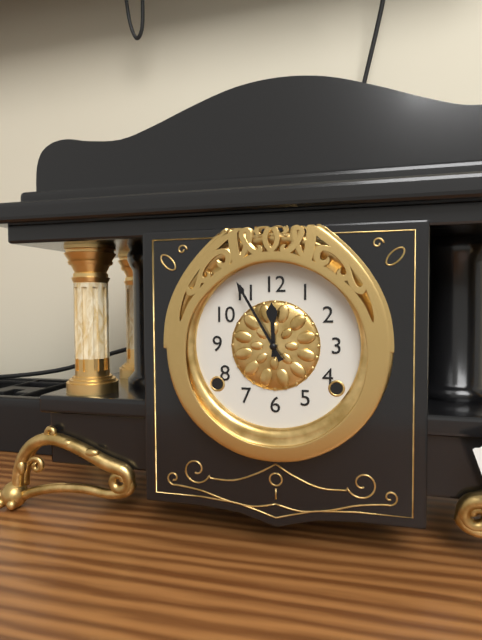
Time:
{"hour": 11, "minute": 55}
